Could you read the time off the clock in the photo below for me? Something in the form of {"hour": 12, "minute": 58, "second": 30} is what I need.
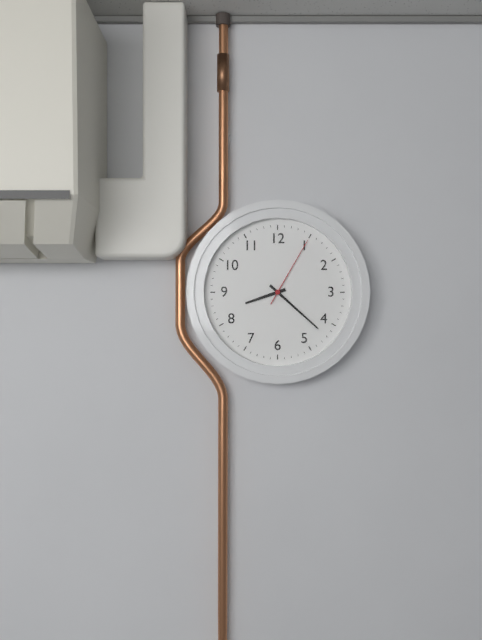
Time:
{"hour": 8, "minute": 22, "second": 5}
